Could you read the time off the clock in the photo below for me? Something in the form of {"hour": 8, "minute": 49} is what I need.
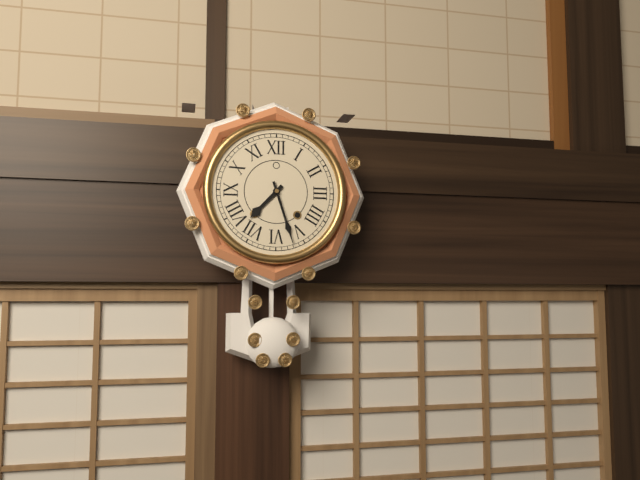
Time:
{"hour": 7, "minute": 27}
